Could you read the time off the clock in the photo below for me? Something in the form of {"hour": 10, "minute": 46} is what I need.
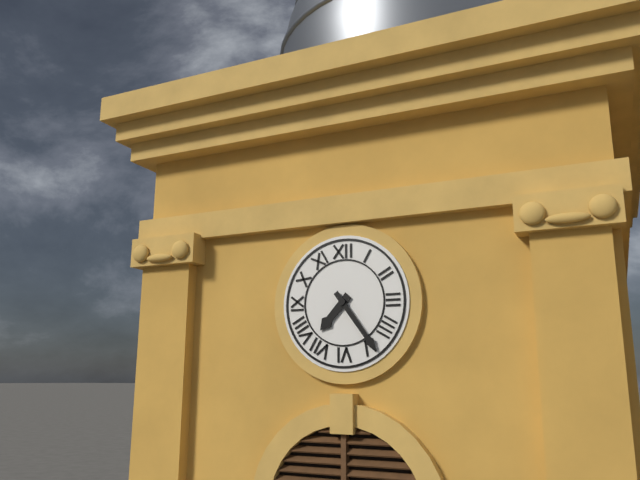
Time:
{"hour": 7, "minute": 24}
